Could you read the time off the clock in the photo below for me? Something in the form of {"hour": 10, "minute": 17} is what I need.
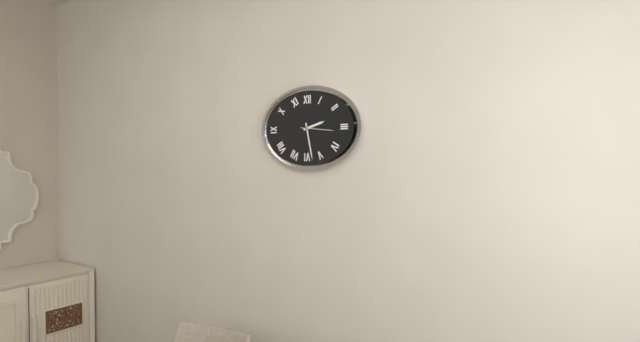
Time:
{"hour": 2, "minute": 28}
